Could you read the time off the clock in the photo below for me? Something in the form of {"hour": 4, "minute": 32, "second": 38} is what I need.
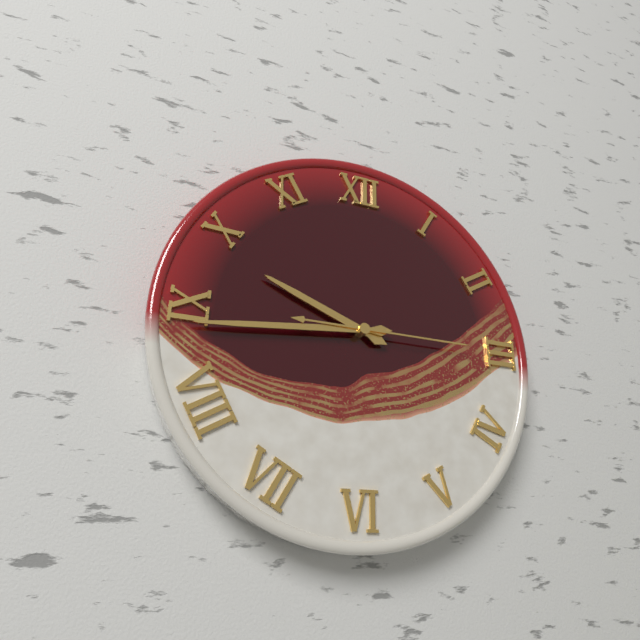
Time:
{"hour": 9, "minute": 44, "second": 15}
